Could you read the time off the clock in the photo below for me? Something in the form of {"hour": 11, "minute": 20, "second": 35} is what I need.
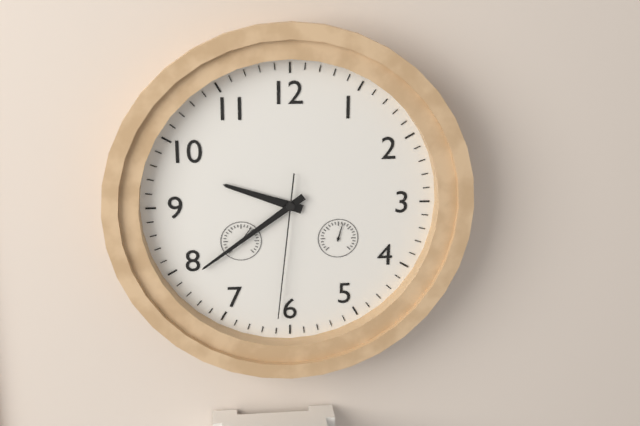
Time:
{"hour": 9, "minute": 39, "second": 31}
